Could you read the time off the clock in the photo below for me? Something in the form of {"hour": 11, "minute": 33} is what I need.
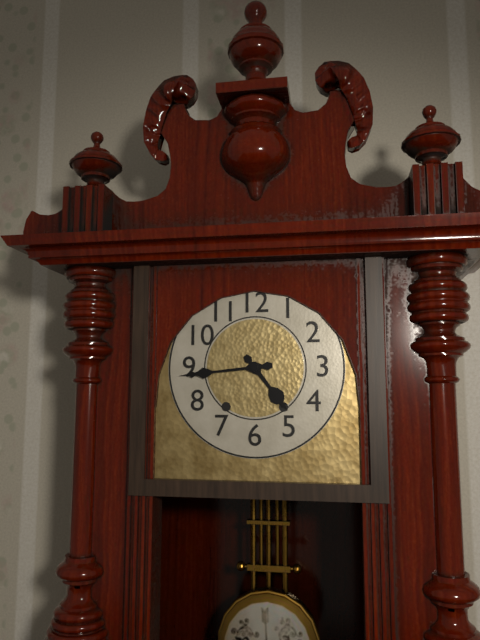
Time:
{"hour": 4, "minute": 44}
